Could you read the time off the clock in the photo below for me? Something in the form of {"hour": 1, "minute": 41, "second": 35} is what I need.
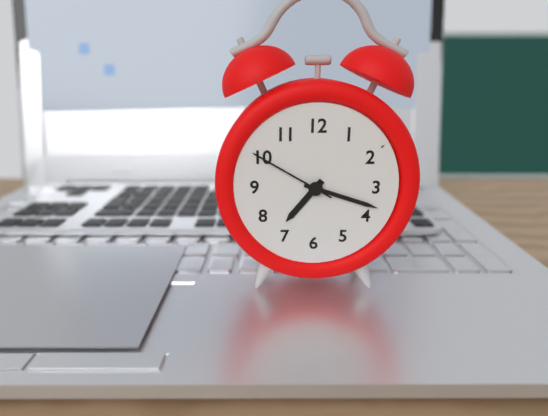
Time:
{"hour": 7, "minute": 18, "second": 50}
